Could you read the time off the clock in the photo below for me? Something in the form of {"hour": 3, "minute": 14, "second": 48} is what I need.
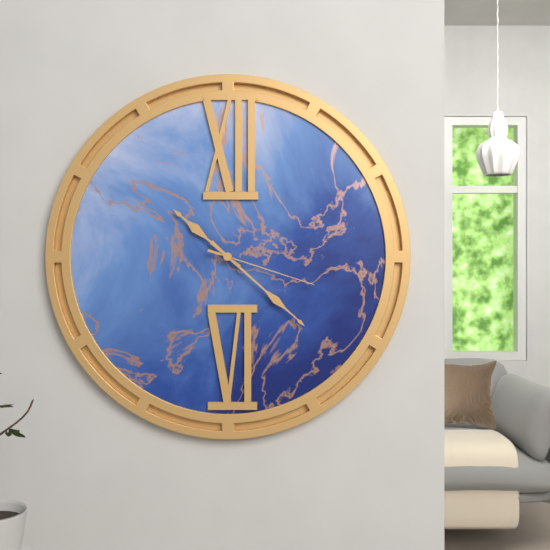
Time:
{"hour": 10, "minute": 22, "second": 18}
